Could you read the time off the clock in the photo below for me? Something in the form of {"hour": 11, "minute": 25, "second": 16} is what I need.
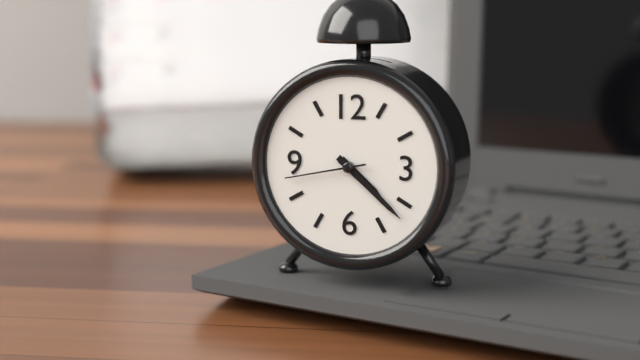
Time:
{"hour": 4, "minute": 22, "second": 43}
